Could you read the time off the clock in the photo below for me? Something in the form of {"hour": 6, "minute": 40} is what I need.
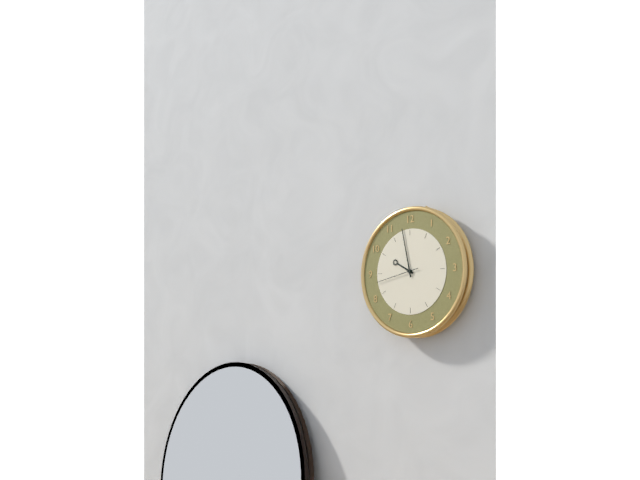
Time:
{"hour": 9, "minute": 58}
